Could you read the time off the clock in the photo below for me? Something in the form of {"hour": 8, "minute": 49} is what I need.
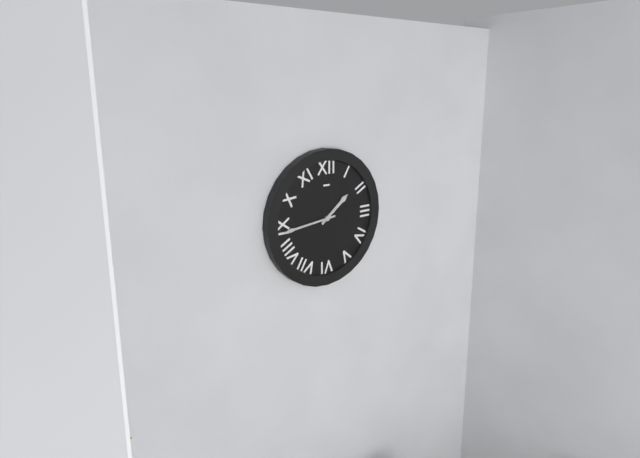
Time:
{"hour": 1, "minute": 44}
